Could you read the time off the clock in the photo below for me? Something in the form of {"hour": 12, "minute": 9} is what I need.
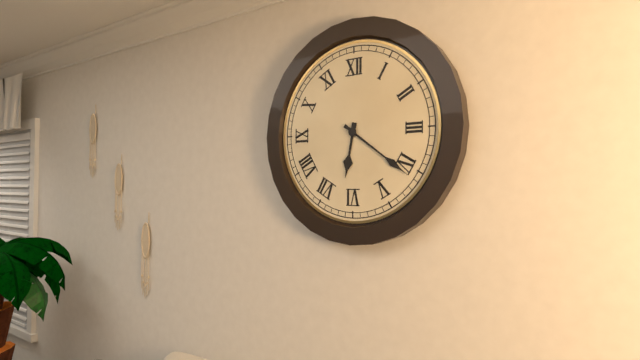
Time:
{"hour": 6, "minute": 21}
